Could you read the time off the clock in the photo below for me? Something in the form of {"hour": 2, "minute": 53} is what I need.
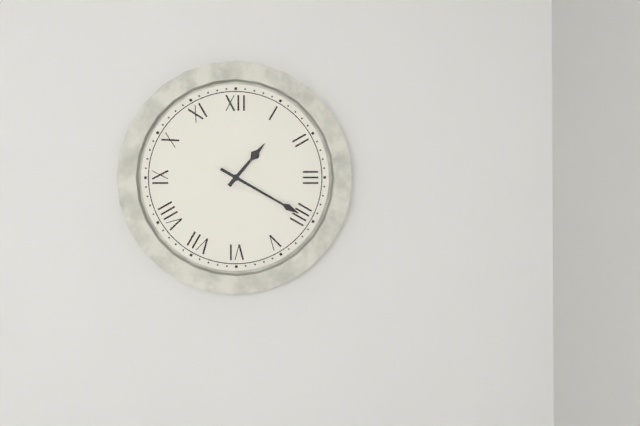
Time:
{"hour": 1, "minute": 20}
